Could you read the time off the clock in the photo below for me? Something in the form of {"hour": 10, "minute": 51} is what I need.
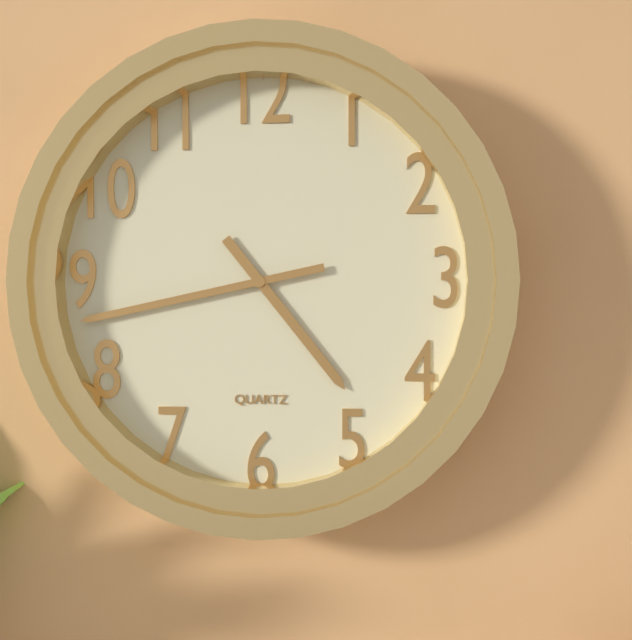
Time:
{"hour": 4, "minute": 43}
